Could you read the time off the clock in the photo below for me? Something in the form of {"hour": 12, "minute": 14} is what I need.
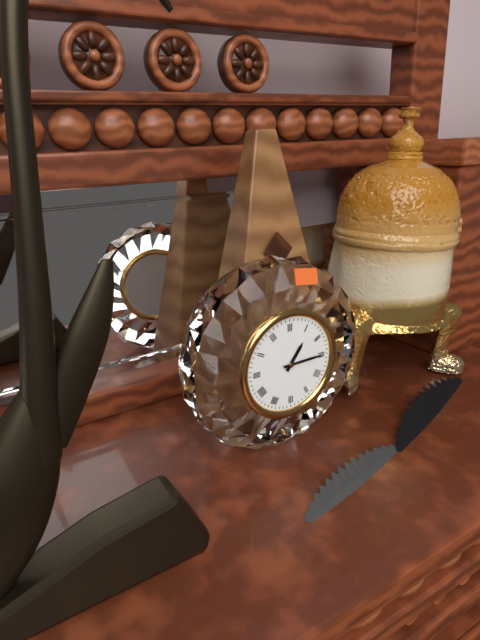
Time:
{"hour": 1, "minute": 15}
